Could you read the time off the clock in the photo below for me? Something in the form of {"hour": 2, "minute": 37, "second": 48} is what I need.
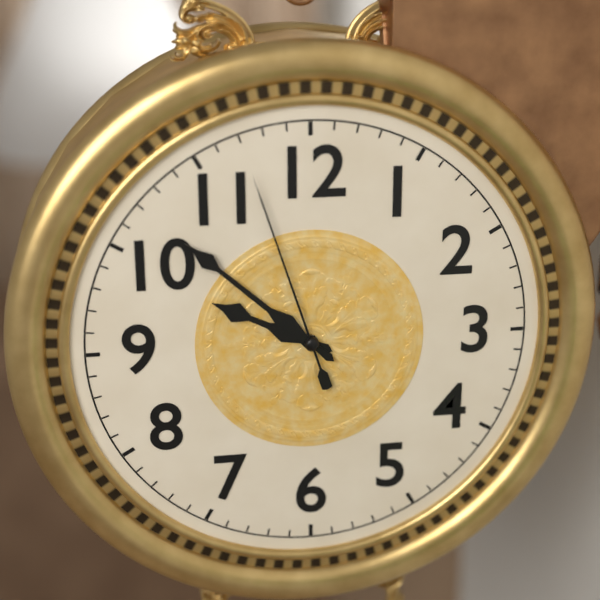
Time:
{"hour": 9, "minute": 52, "second": 57}
